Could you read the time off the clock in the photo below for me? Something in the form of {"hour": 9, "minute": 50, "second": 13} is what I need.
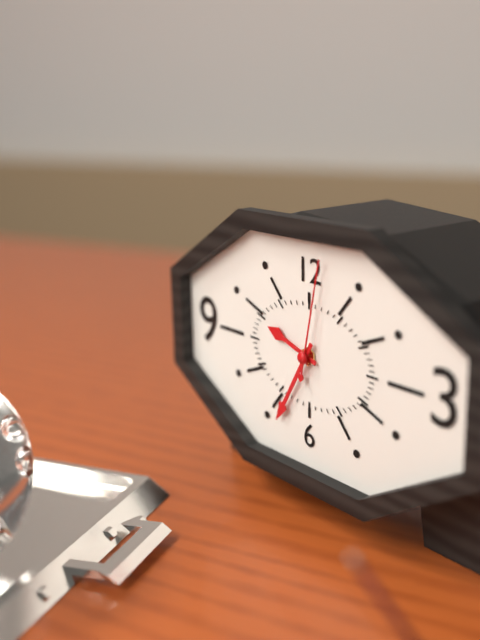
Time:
{"hour": 9, "minute": 35, "second": 2}
